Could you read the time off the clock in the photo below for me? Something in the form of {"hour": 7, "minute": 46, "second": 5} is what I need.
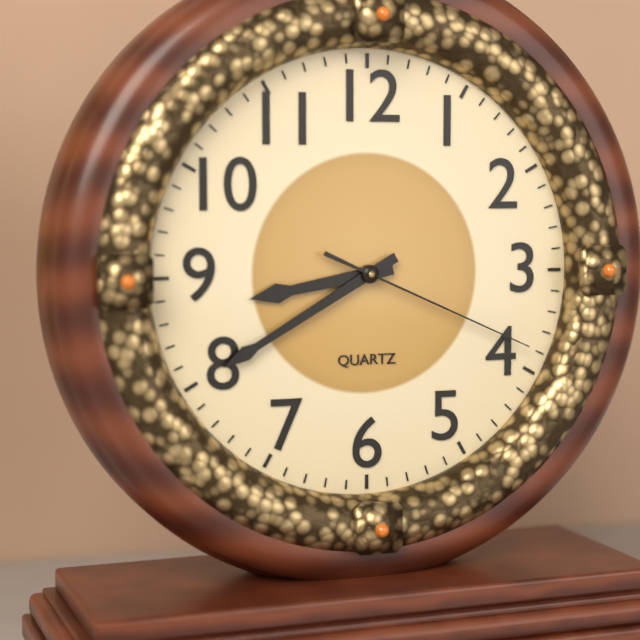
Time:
{"hour": 8, "minute": 40, "second": 19}
